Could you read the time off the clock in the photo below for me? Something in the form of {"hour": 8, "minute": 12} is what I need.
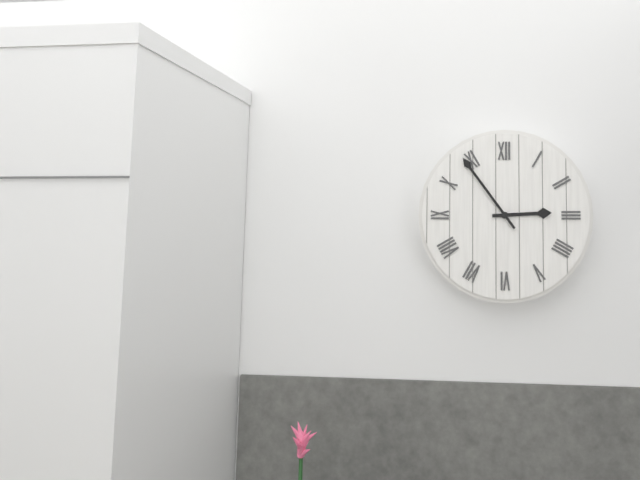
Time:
{"hour": 2, "minute": 54}
